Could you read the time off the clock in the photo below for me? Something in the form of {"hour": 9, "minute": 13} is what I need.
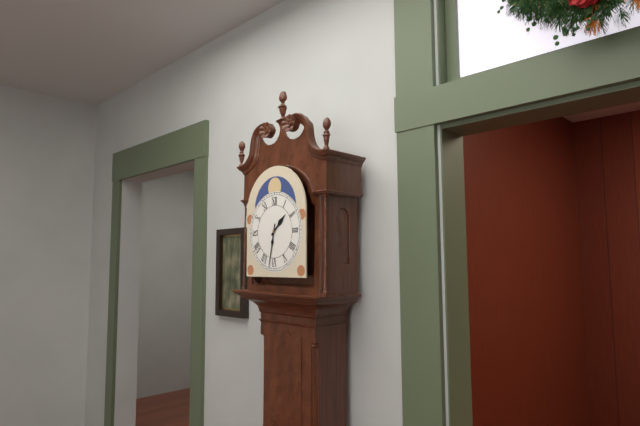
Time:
{"hour": 1, "minute": 32}
